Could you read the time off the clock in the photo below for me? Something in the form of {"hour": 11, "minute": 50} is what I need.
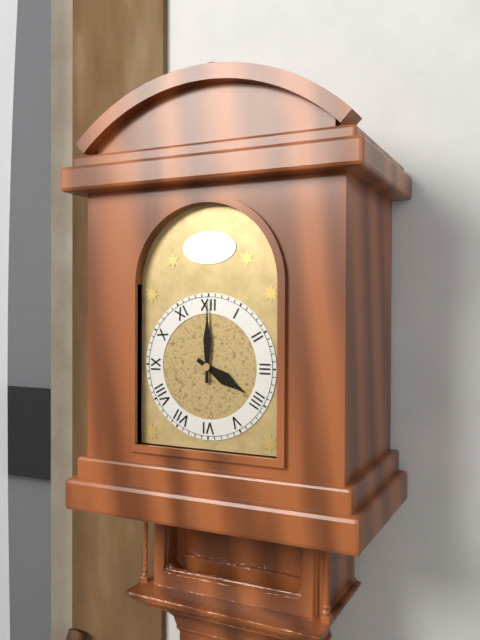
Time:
{"hour": 4, "minute": 0}
